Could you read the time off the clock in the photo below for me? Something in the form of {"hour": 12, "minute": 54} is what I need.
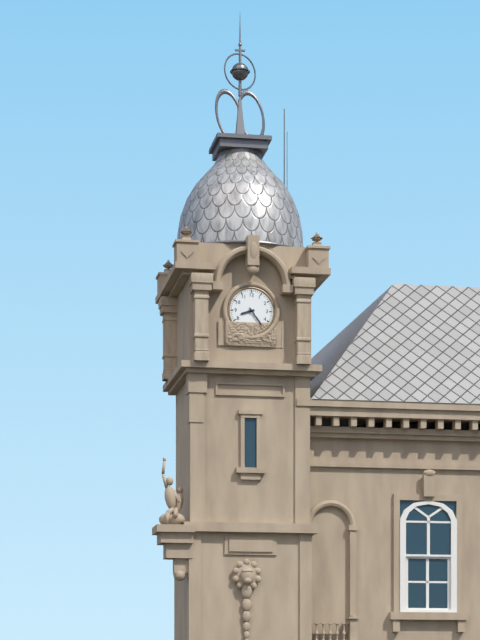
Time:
{"hour": 8, "minute": 24}
